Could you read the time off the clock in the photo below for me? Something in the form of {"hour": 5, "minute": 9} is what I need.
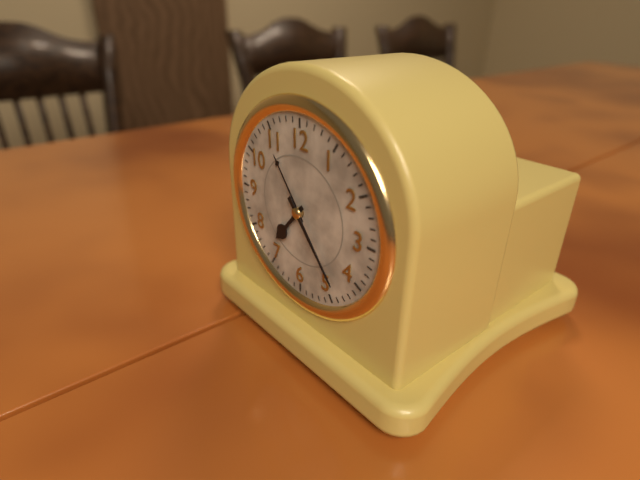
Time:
{"hour": 7, "minute": 23}
